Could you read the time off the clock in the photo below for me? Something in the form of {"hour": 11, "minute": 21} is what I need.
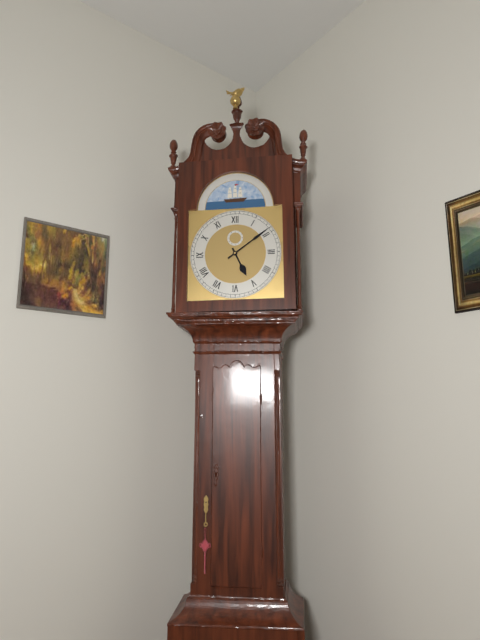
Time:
{"hour": 5, "minute": 9}
